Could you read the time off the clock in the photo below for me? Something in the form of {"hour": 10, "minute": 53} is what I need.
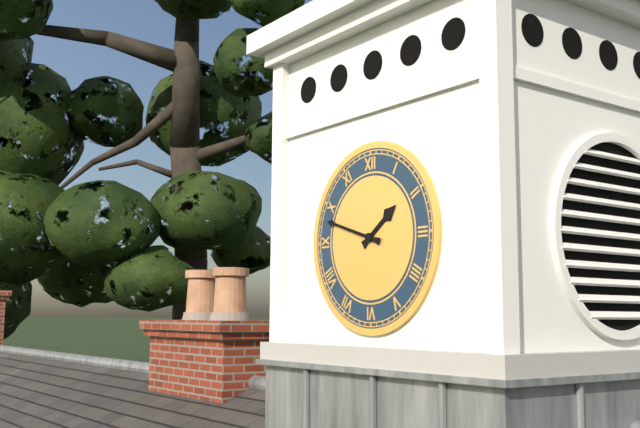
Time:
{"hour": 1, "minute": 48}
